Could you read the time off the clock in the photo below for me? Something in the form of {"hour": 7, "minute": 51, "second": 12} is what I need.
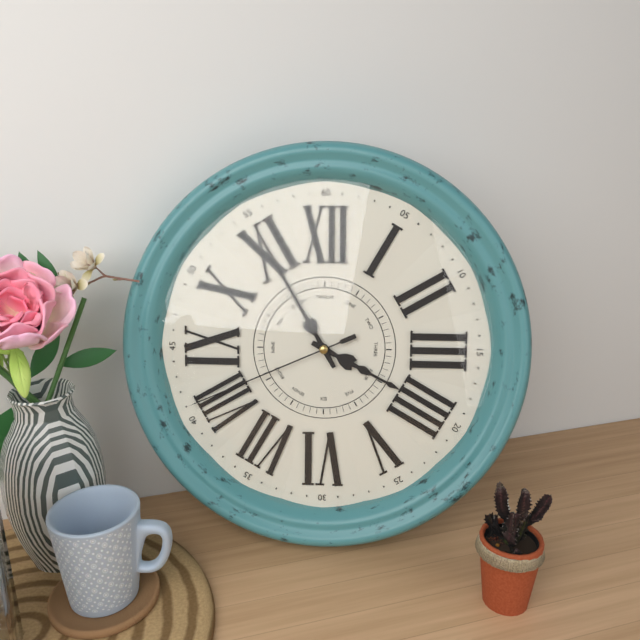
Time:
{"hour": 3, "minute": 55, "second": 41}
